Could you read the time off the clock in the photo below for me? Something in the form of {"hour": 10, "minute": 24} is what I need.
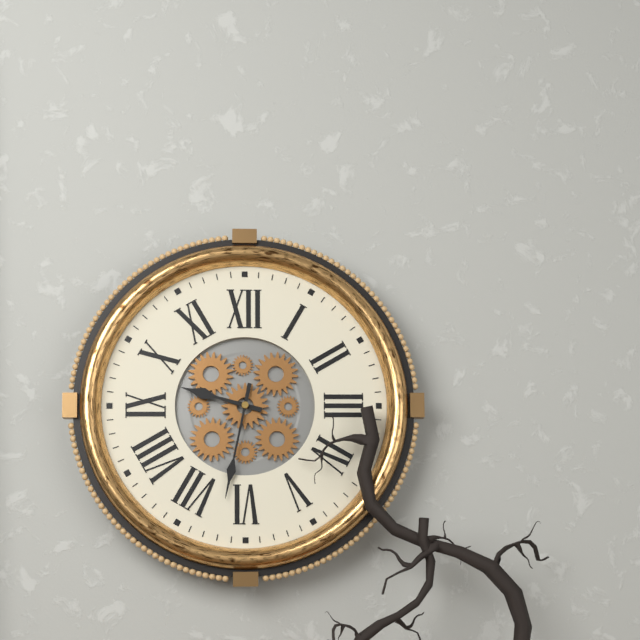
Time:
{"hour": 9, "minute": 32}
